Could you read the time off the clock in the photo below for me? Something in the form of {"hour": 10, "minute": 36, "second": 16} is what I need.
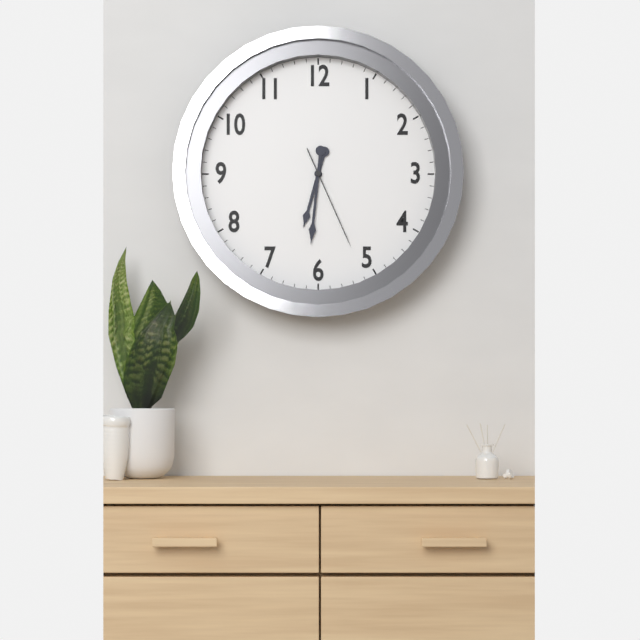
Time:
{"hour": 6, "minute": 31, "second": 26}
